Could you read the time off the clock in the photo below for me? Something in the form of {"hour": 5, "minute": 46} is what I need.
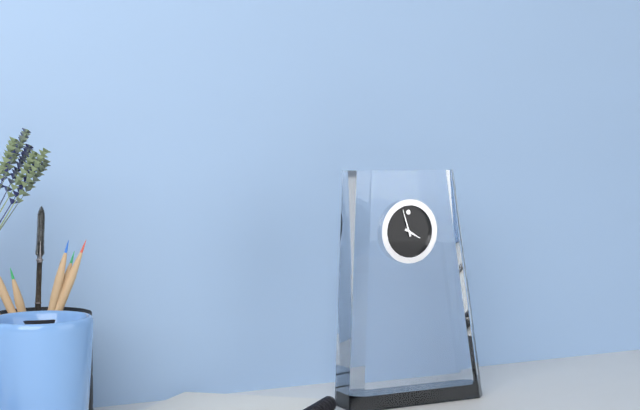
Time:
{"hour": 3, "minute": 57}
